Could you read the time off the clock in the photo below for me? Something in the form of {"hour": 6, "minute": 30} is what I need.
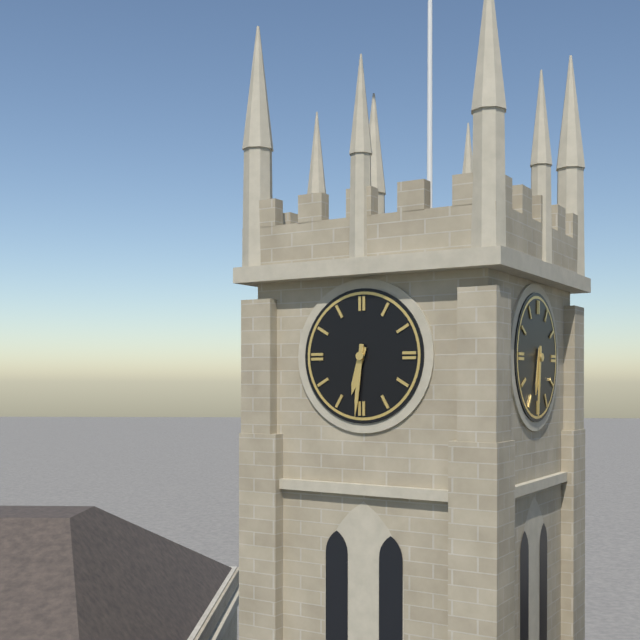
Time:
{"hour": 6, "minute": 31}
